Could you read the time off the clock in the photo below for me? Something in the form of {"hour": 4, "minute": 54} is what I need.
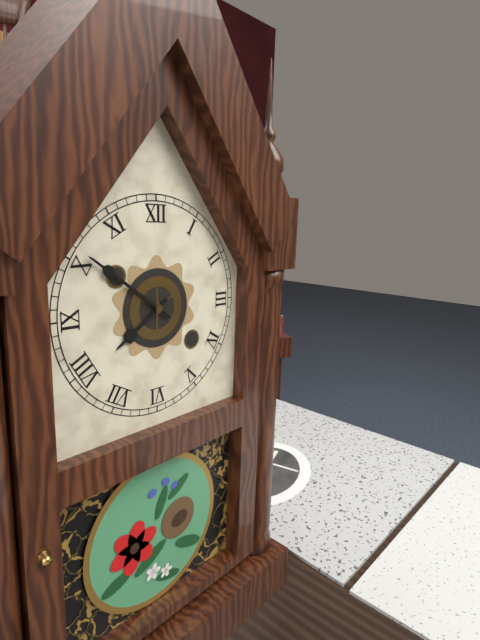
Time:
{"hour": 7, "minute": 51}
